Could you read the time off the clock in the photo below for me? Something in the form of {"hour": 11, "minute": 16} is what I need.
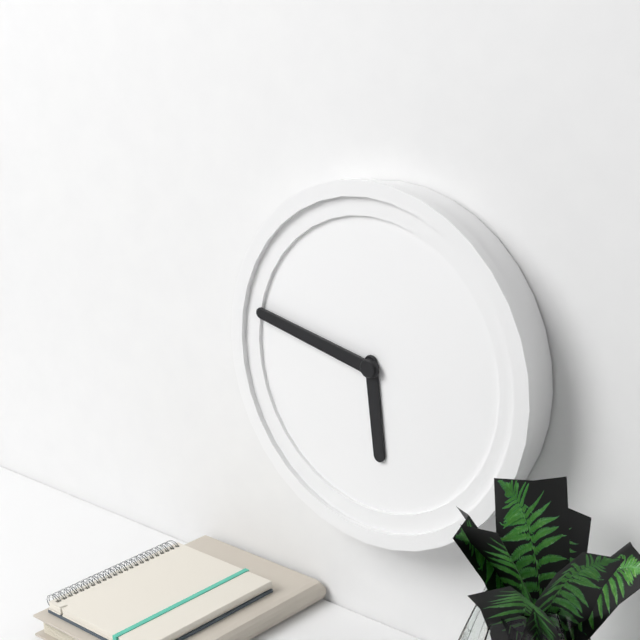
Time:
{"hour": 5, "minute": 47}
